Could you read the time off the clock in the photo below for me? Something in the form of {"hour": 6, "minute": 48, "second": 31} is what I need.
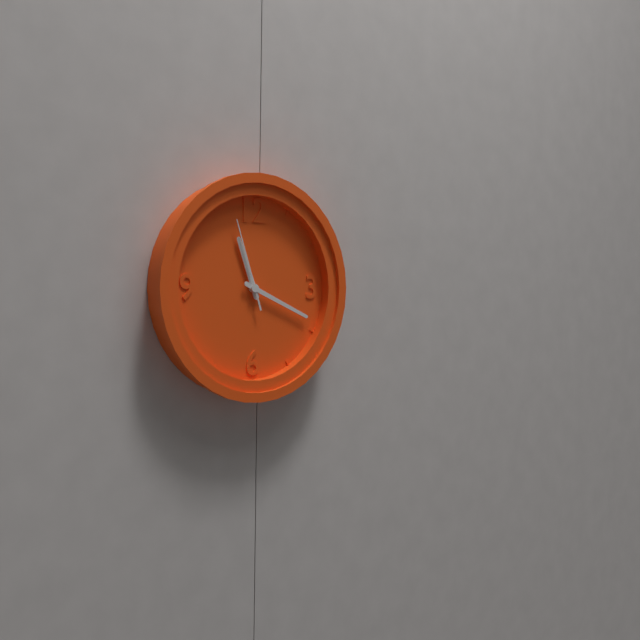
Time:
{"hour": 11, "minute": 19, "second": 57}
